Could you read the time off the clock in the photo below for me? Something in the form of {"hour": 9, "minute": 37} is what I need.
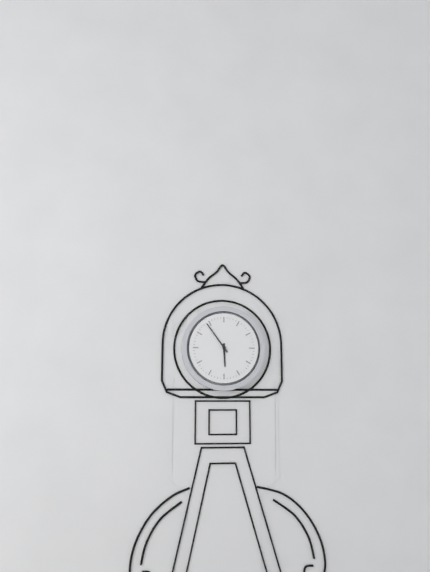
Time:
{"hour": 5, "minute": 54}
